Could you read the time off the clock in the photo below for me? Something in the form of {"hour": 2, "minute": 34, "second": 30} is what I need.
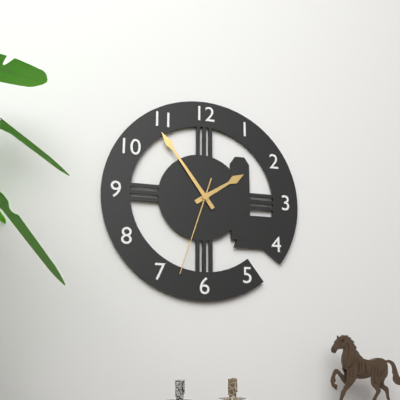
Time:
{"hour": 1, "minute": 54, "second": 33}
